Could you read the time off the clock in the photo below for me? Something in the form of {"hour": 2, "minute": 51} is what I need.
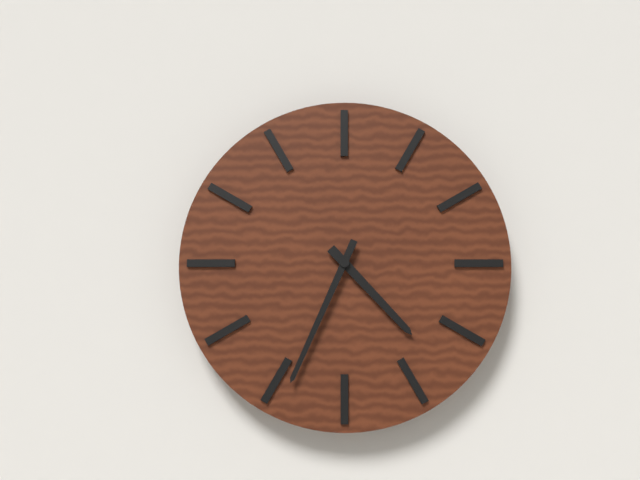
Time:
{"hour": 4, "minute": 34}
